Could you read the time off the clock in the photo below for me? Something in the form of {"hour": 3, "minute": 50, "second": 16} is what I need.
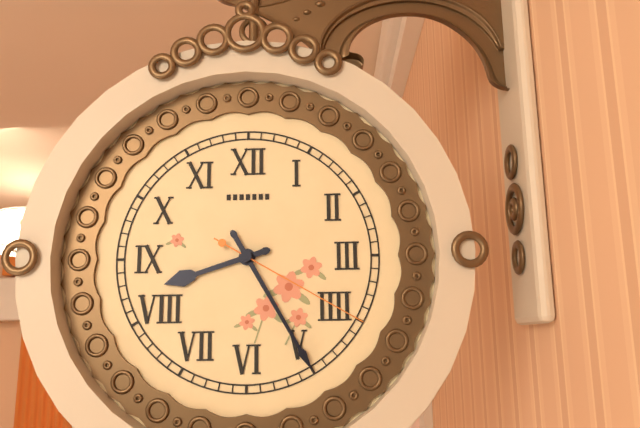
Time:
{"hour": 8, "minute": 25, "second": 20}
